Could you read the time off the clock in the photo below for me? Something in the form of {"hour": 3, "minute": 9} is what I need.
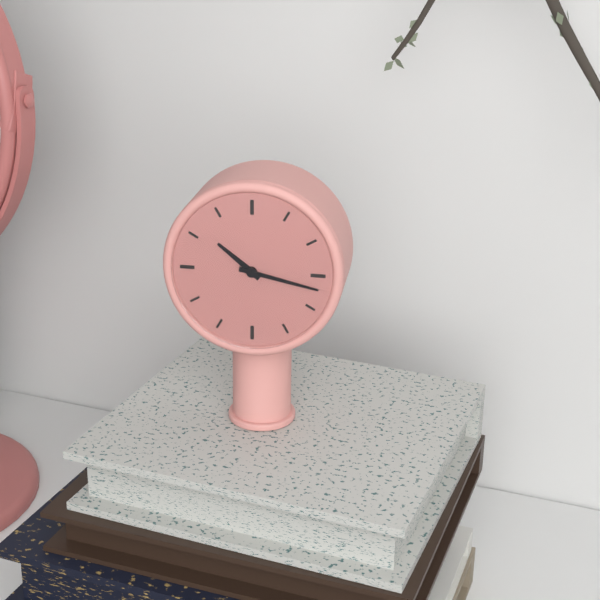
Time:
{"hour": 10, "minute": 17}
